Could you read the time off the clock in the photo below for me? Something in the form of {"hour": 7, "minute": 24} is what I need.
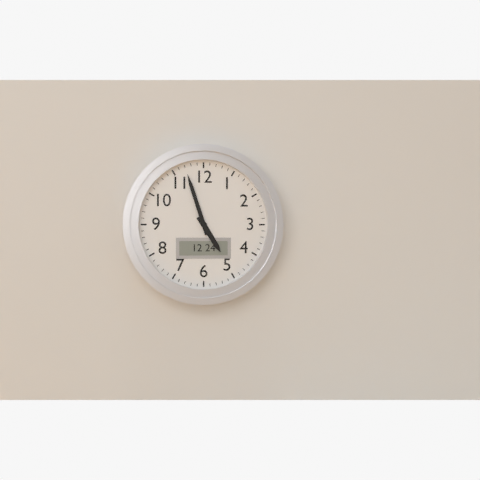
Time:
{"hour": 4, "minute": 57}
